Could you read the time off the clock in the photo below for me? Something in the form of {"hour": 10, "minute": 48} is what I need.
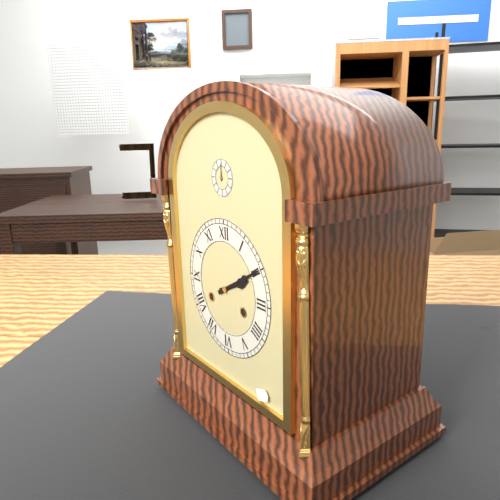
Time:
{"hour": 2, "minute": 10}
